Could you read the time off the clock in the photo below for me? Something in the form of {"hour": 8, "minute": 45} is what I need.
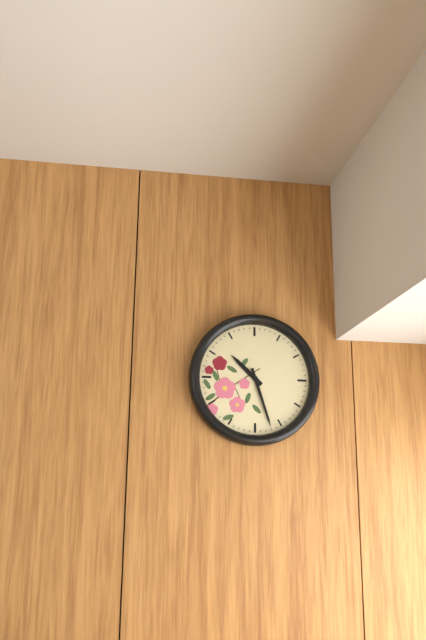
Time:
{"hour": 10, "minute": 27}
